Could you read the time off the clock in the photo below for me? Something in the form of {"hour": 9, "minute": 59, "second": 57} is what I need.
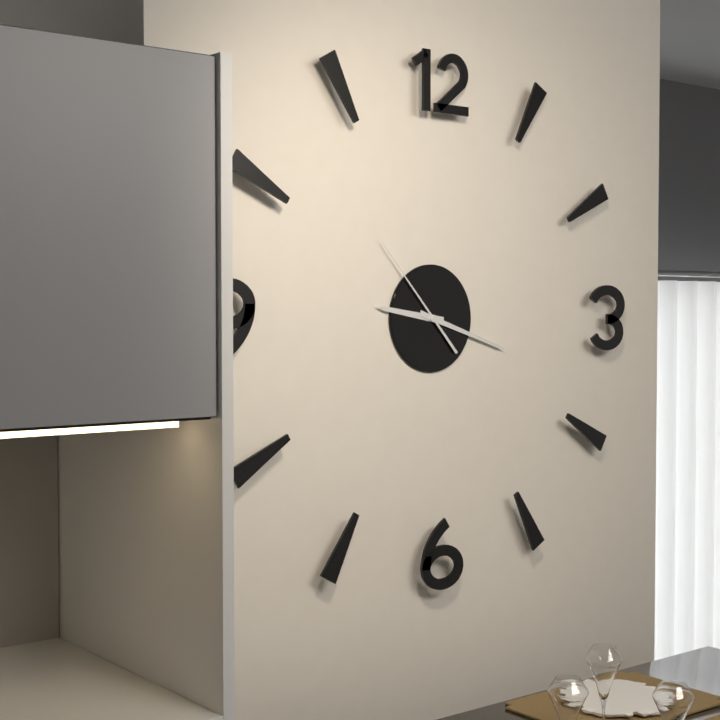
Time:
{"hour": 9, "minute": 18, "second": 53}
